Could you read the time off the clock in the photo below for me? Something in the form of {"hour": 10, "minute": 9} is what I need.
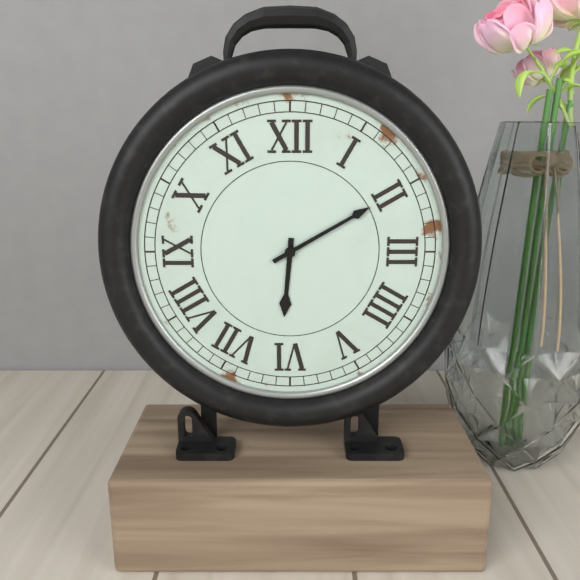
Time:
{"hour": 6, "minute": 10}
